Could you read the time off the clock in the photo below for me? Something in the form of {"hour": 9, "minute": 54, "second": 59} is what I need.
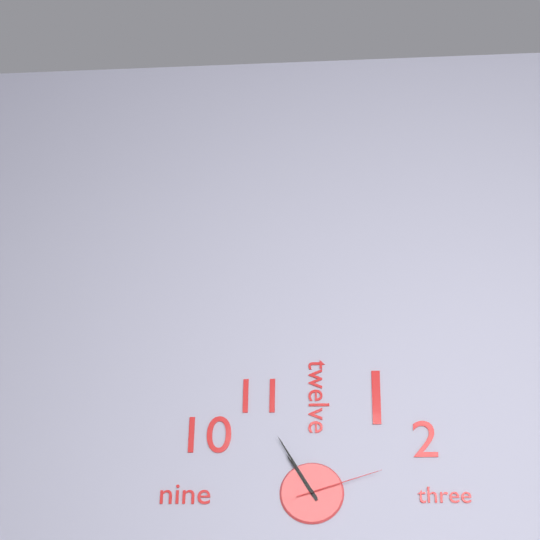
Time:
{"hour": 10, "minute": 55, "second": 12}
